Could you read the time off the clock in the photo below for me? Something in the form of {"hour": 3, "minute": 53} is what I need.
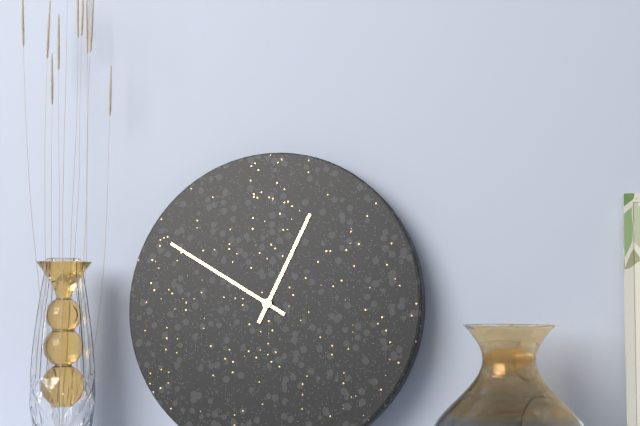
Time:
{"hour": 12, "minute": 50}
